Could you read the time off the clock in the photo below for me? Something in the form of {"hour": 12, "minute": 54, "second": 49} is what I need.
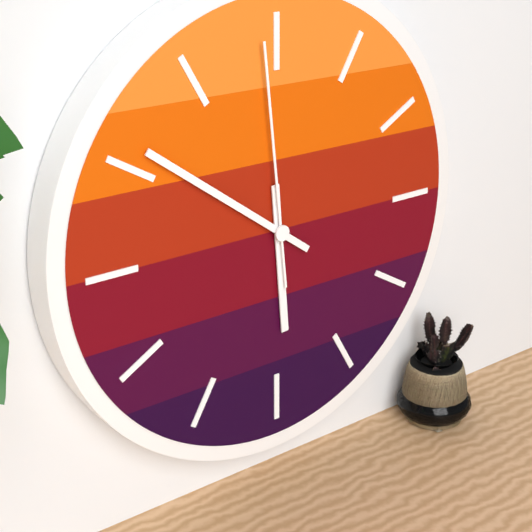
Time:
{"hour": 5, "minute": 51, "second": 59}
